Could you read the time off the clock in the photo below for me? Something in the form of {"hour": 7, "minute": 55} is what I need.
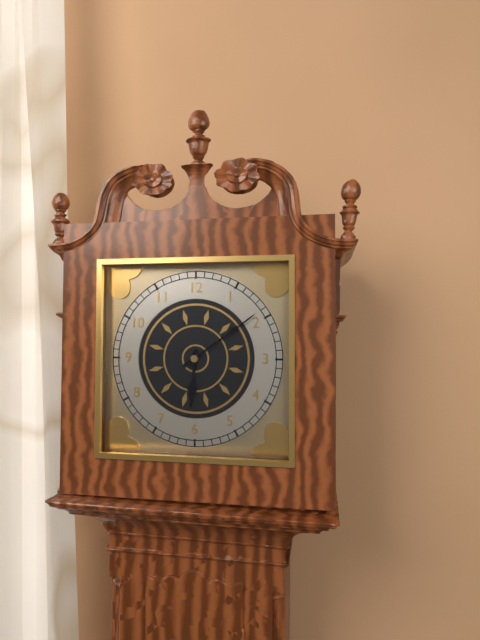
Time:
{"hour": 6, "minute": 9}
